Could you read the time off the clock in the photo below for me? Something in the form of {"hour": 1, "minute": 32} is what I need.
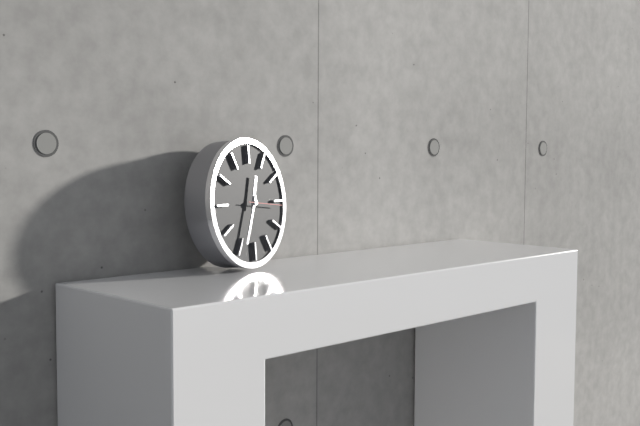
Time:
{"hour": 12, "minute": 34}
